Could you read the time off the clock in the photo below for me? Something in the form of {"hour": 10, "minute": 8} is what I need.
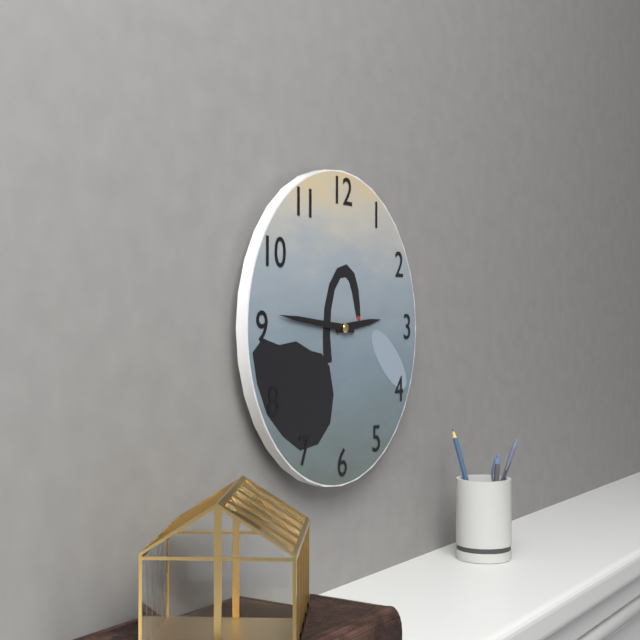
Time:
{"hour": 2, "minute": 46}
